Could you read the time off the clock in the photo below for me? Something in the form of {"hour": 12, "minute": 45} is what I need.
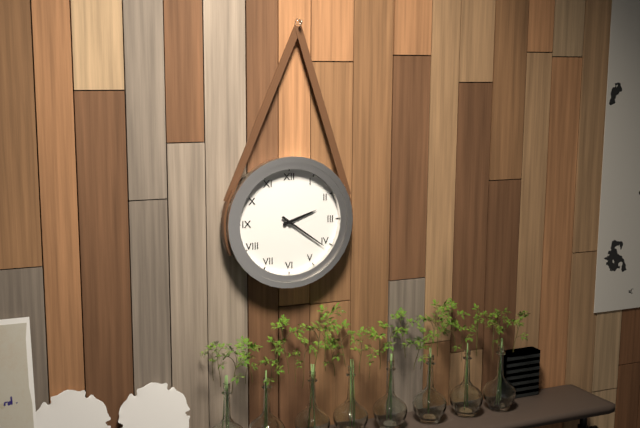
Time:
{"hour": 2, "minute": 21}
